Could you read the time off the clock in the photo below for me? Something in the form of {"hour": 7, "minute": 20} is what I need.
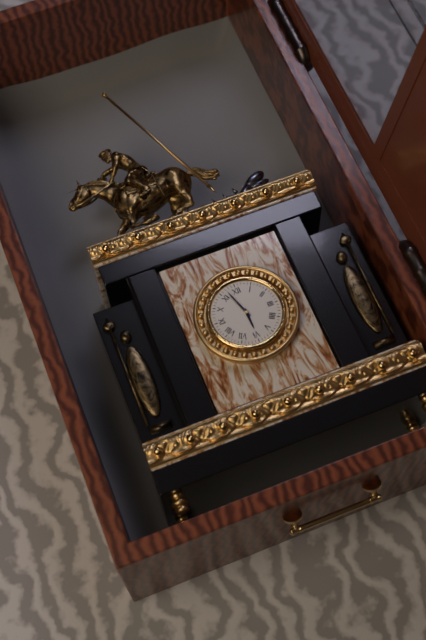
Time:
{"hour": 5, "minute": 57}
